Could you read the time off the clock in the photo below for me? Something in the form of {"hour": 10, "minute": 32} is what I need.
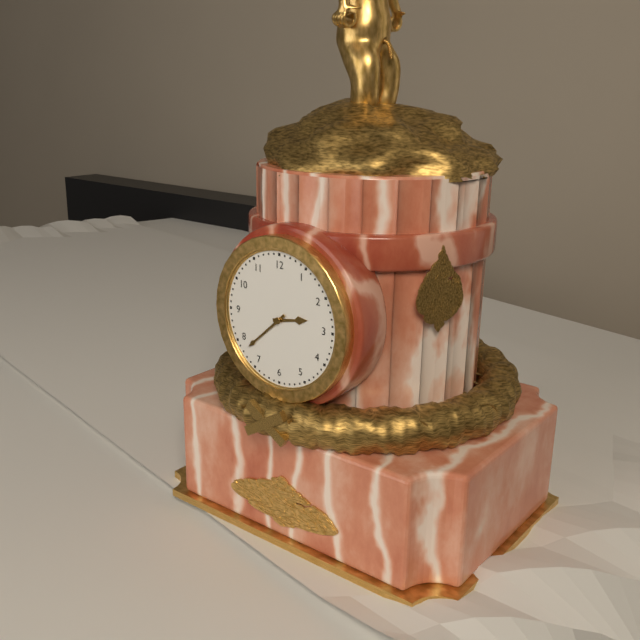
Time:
{"hour": 2, "minute": 38}
